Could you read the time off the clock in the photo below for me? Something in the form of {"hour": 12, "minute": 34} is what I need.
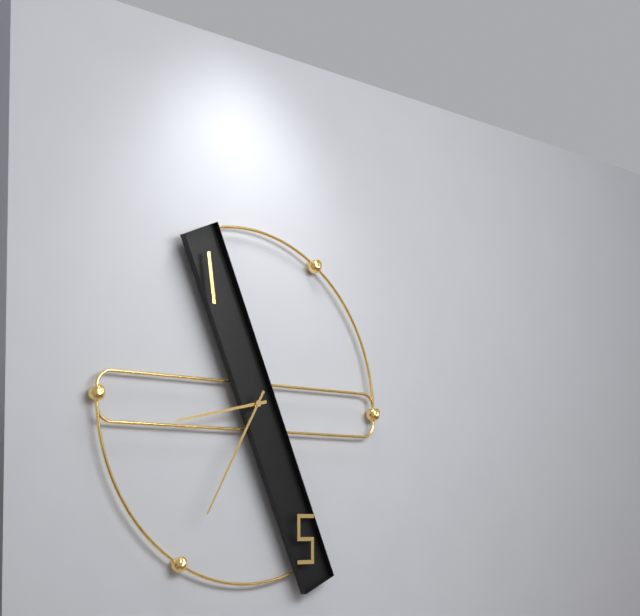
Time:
{"hour": 8, "minute": 35}
